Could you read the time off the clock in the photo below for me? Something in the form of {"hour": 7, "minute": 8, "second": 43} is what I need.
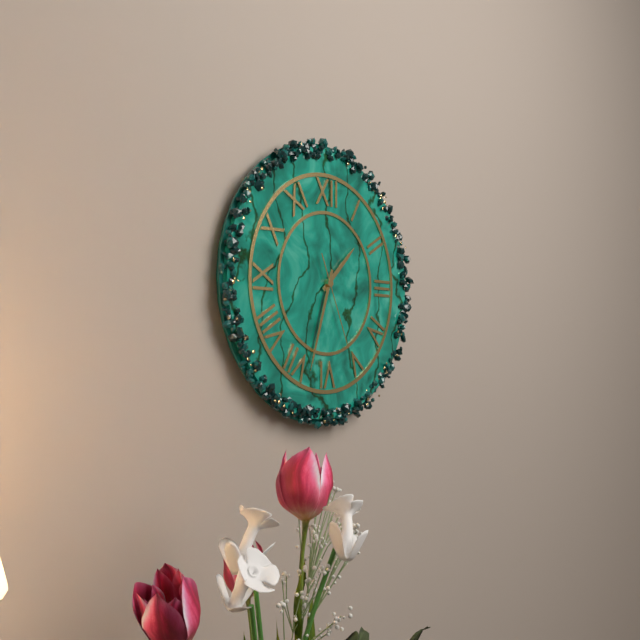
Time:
{"hour": 1, "minute": 33, "second": 26}
